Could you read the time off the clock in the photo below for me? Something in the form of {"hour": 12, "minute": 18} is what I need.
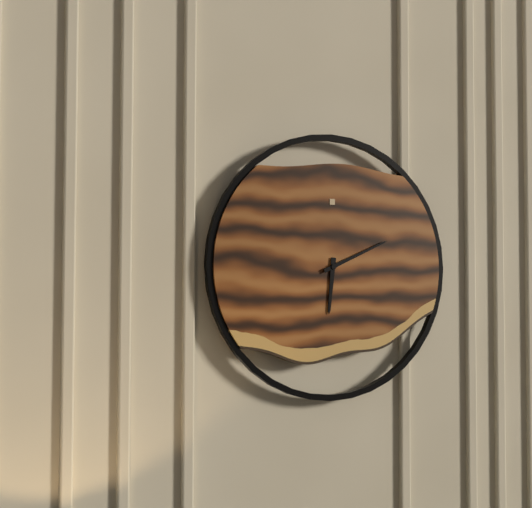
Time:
{"hour": 6, "minute": 11}
